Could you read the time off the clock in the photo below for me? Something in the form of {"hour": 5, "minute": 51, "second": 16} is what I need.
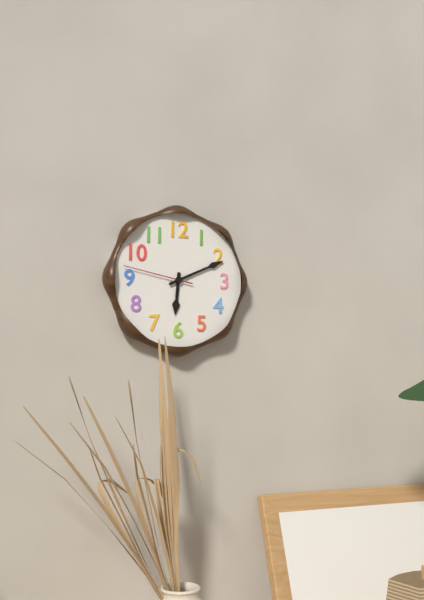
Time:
{"hour": 6, "minute": 11, "second": 47}
